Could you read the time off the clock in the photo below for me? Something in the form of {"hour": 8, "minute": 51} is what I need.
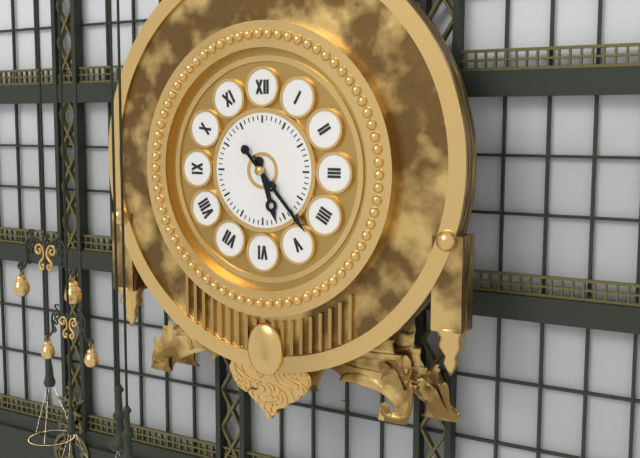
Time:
{"hour": 5, "minute": 23}
